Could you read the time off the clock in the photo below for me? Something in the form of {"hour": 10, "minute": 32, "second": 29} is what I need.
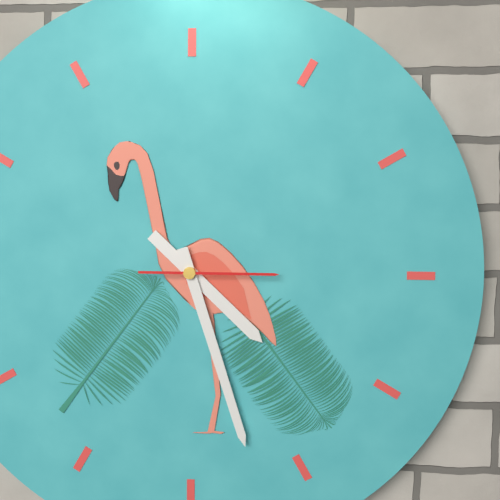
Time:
{"hour": 4, "minute": 27, "second": 15}
